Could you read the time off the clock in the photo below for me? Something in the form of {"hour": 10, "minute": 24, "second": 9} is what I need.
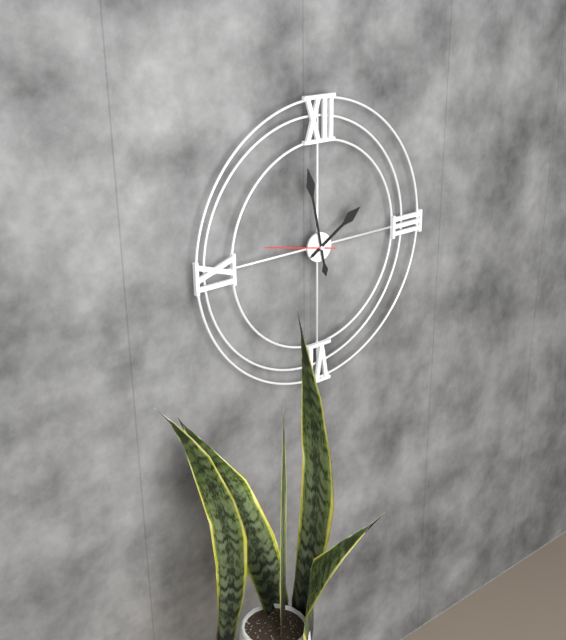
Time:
{"hour": 1, "minute": 58, "second": 47}
